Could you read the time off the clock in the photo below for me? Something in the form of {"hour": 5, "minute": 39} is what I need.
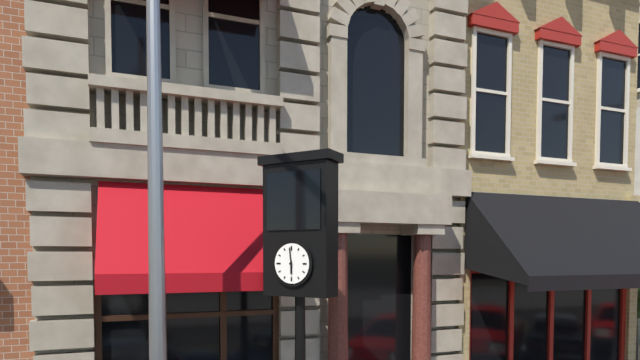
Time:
{"hour": 5, "minute": 59}
